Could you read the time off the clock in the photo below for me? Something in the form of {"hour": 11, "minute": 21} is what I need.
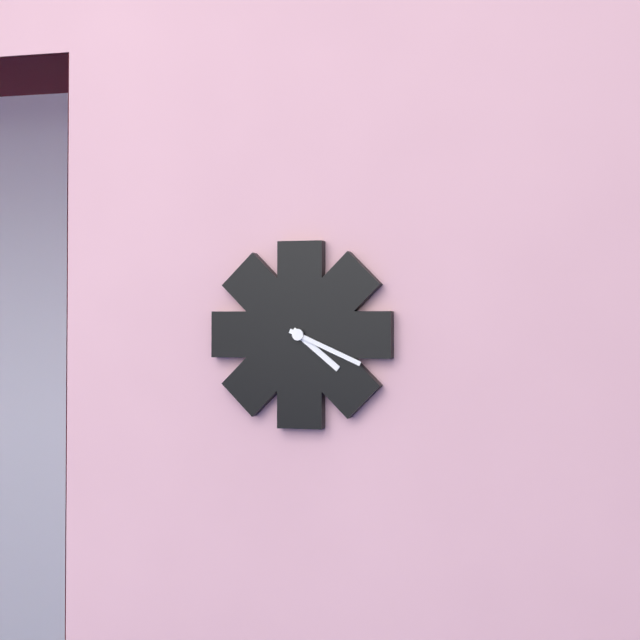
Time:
{"hour": 4, "minute": 19}
